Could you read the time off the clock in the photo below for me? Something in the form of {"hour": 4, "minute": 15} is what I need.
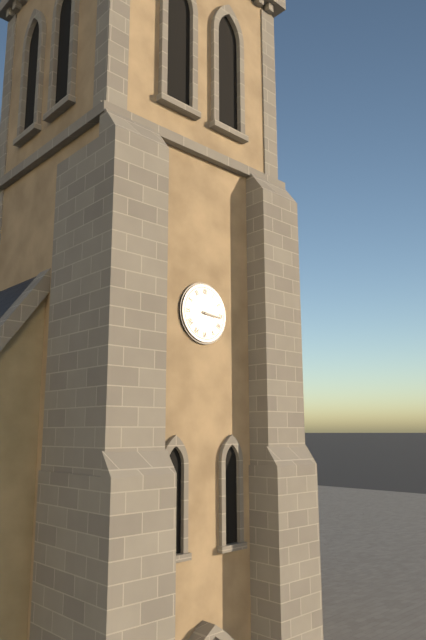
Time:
{"hour": 3, "minute": 16}
